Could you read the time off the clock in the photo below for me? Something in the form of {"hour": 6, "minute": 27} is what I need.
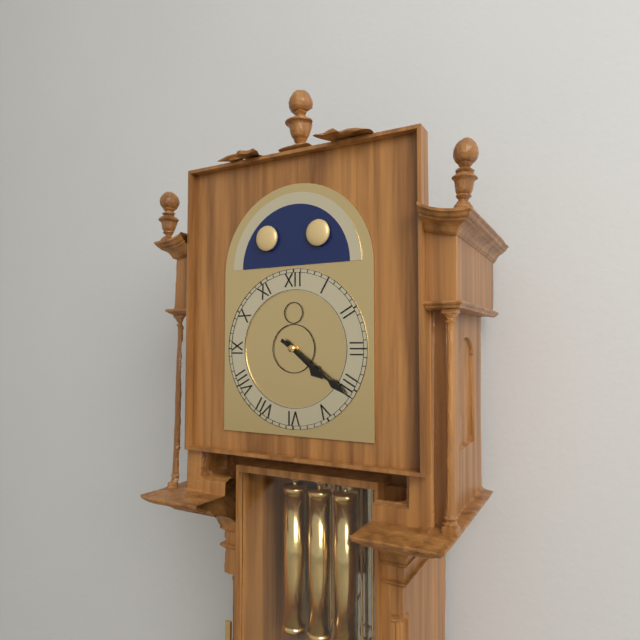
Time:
{"hour": 4, "minute": 21}
